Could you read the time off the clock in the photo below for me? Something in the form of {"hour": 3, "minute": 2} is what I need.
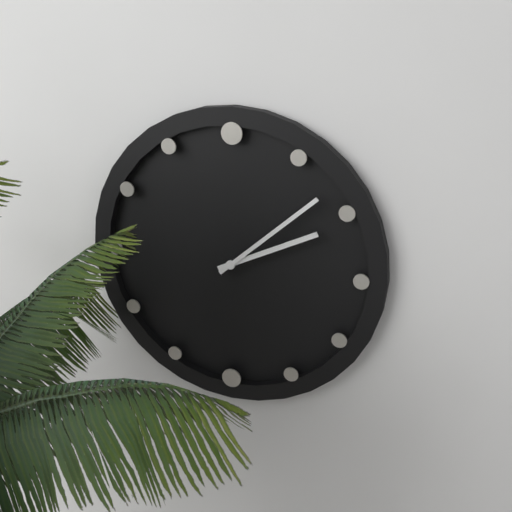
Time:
{"hour": 2, "minute": 8}
